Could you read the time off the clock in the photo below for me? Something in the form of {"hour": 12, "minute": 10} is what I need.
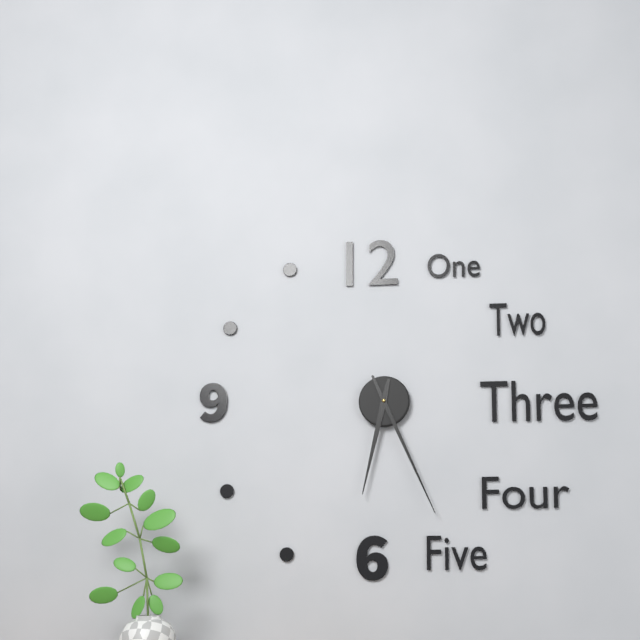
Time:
{"hour": 6, "minute": 26}
